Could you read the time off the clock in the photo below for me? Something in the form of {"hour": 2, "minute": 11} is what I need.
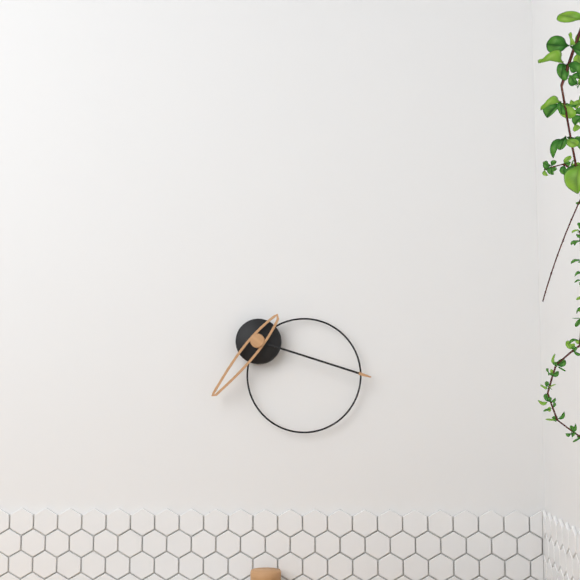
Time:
{"hour": 7, "minute": 18}
